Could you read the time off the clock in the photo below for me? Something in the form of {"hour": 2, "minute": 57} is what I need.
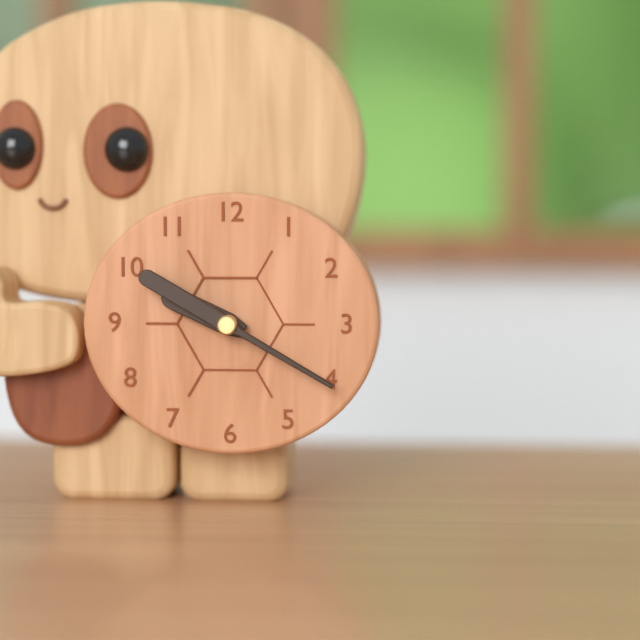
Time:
{"hour": 9, "minute": 50}
